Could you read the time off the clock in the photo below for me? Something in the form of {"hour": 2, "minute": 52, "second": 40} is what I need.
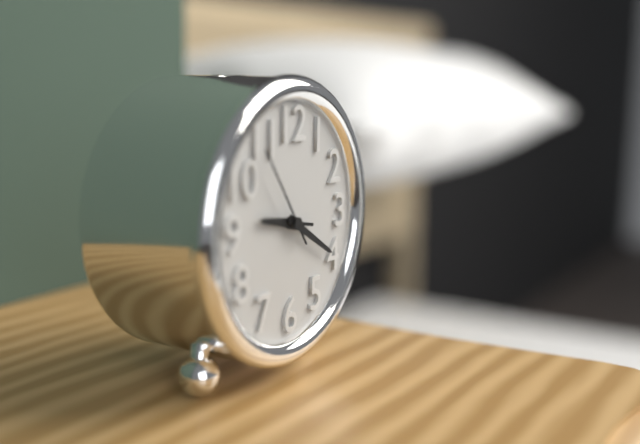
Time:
{"hour": 9, "minute": 20, "second": 54}
